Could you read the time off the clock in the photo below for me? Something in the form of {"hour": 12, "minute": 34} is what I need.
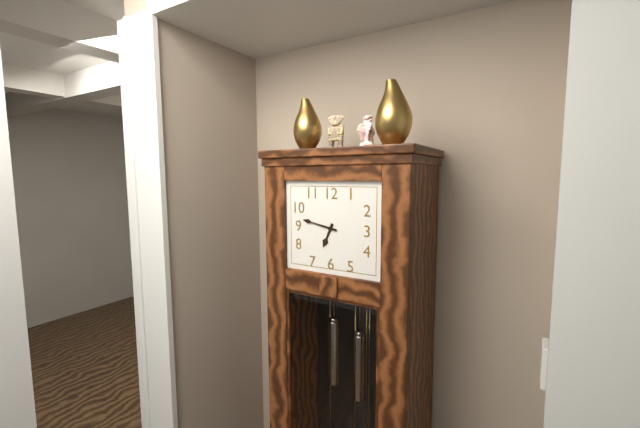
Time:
{"hour": 6, "minute": 47}
